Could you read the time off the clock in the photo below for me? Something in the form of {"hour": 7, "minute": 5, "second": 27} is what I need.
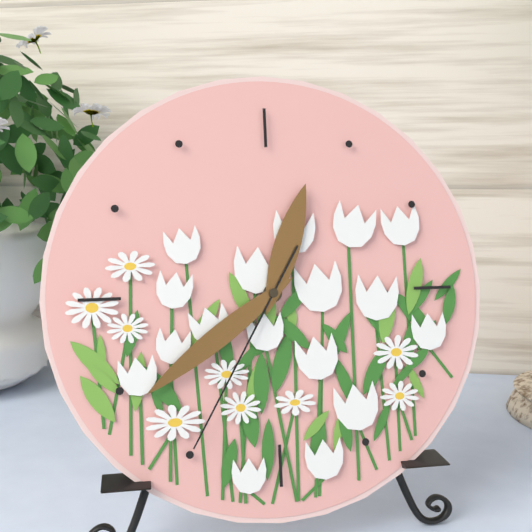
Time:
{"hour": 12, "minute": 39, "second": 35}
